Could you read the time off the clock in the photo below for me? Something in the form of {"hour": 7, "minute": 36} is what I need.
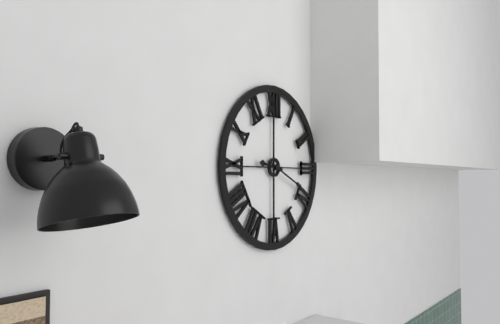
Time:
{"hour": 9, "minute": 19}
